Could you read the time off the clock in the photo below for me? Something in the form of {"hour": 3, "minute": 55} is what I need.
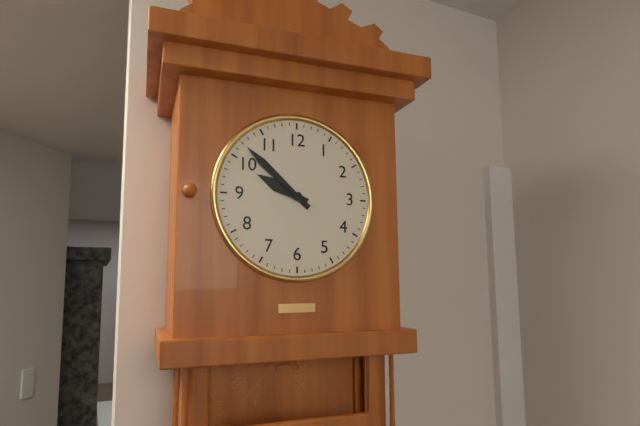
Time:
{"hour": 9, "minute": 52}
